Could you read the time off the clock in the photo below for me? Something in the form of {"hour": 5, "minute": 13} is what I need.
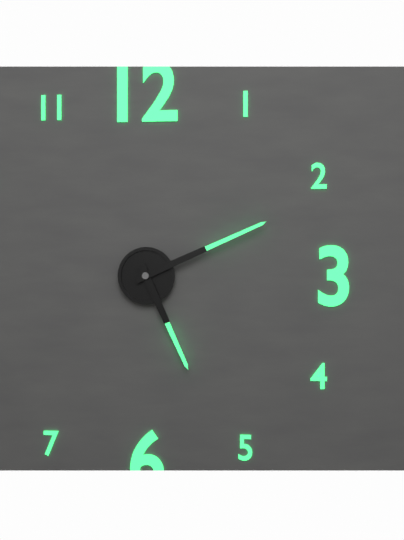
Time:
{"hour": 5, "minute": 11}
